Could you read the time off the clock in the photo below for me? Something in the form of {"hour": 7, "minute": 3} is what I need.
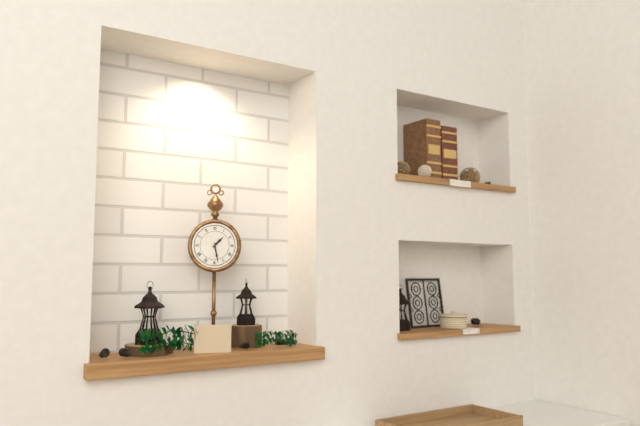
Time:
{"hour": 1, "minute": 28}
